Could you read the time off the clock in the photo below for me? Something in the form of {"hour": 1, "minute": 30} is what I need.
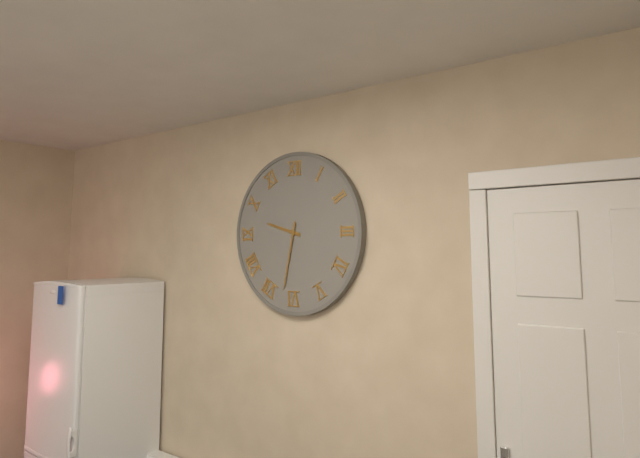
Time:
{"hour": 9, "minute": 32}
